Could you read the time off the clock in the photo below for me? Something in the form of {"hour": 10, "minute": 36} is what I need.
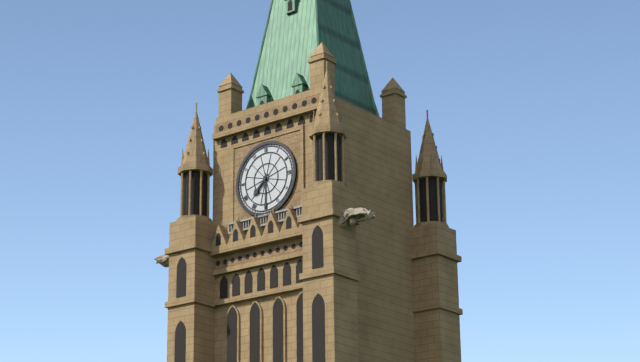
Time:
{"hour": 7, "minute": 30}
